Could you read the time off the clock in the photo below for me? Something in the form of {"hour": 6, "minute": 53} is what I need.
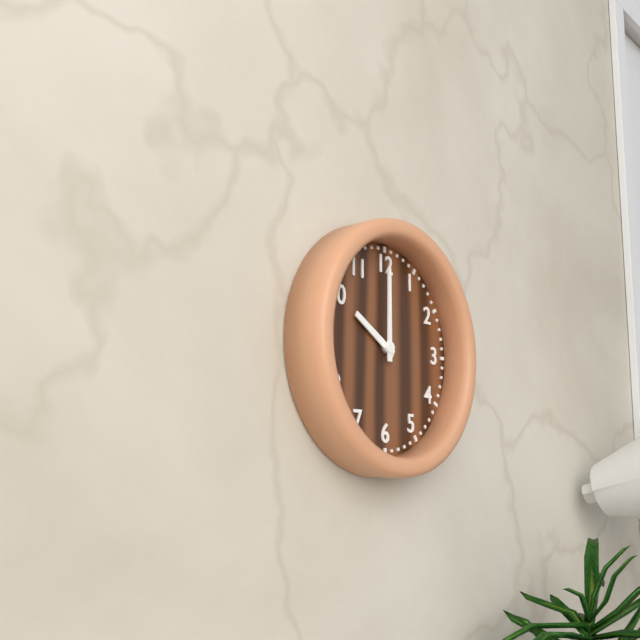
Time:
{"hour": 10, "minute": 0}
